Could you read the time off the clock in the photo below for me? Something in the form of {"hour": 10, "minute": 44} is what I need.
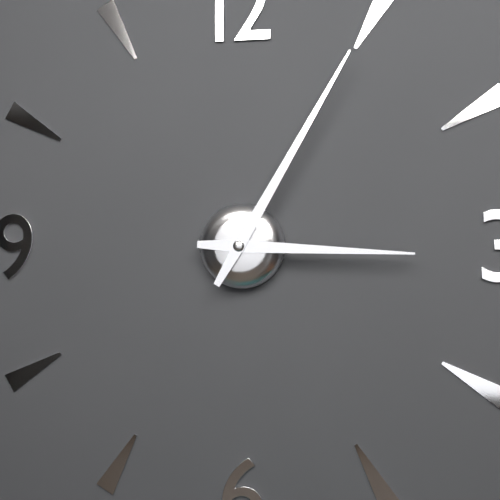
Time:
{"hour": 3, "minute": 5}
